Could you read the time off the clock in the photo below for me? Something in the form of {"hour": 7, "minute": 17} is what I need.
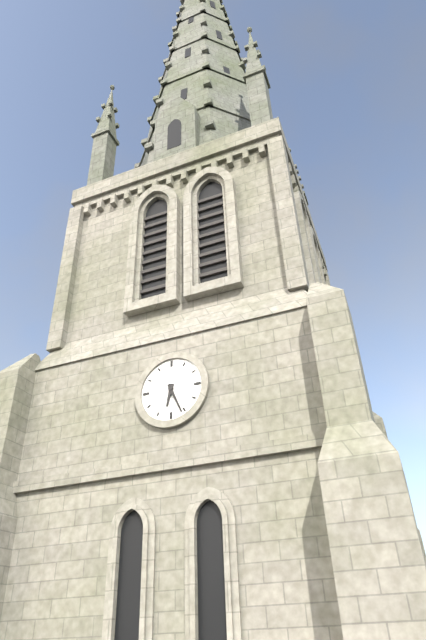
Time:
{"hour": 6, "minute": 26}
